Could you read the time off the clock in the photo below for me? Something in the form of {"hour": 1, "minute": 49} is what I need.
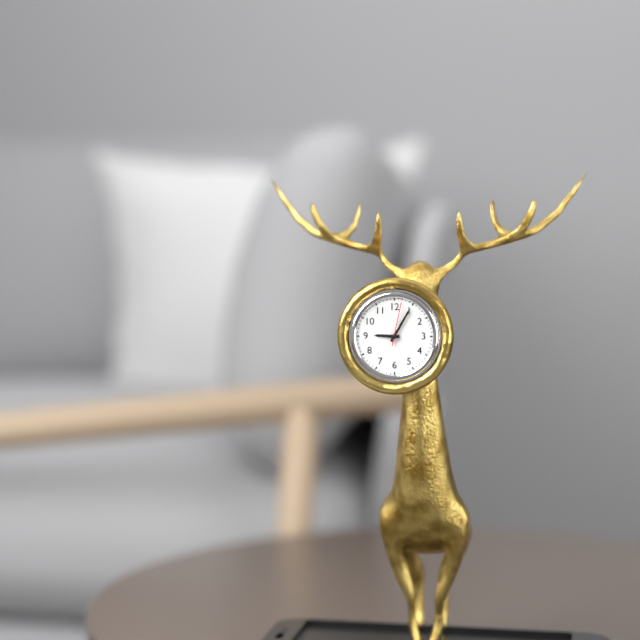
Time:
{"hour": 9, "minute": 5}
